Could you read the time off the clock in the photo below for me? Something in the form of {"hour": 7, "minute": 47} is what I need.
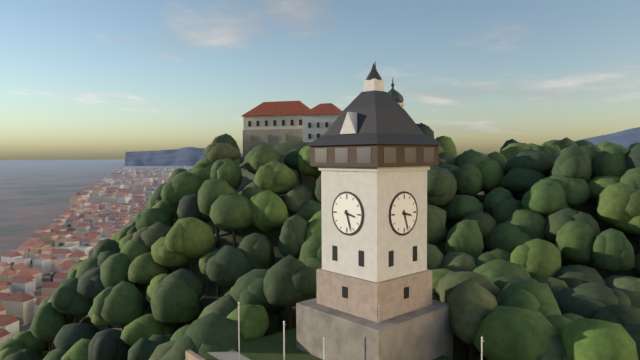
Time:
{"hour": 3, "minute": 27}
